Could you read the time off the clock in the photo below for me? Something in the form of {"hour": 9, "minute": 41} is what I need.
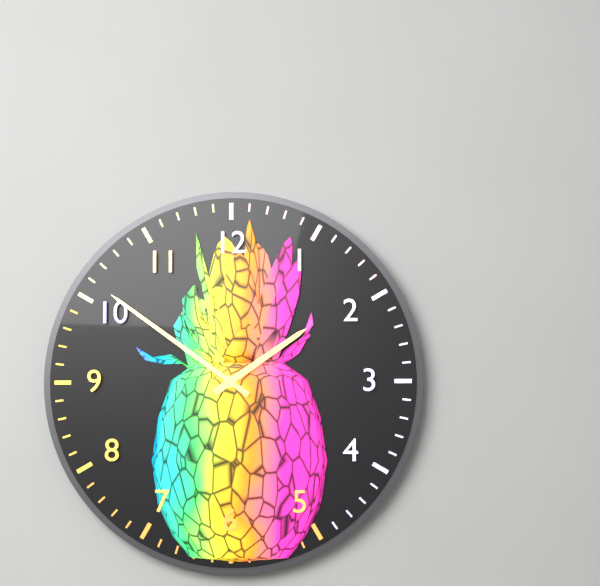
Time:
{"hour": 1, "minute": 51}
